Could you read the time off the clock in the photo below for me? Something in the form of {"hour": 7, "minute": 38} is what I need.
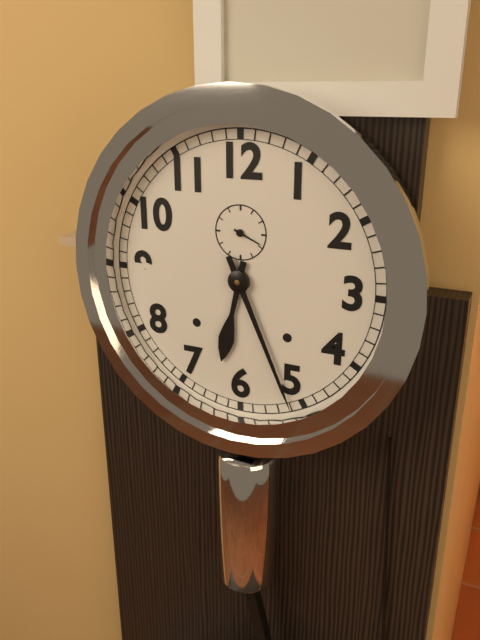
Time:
{"hour": 6, "minute": 26}
